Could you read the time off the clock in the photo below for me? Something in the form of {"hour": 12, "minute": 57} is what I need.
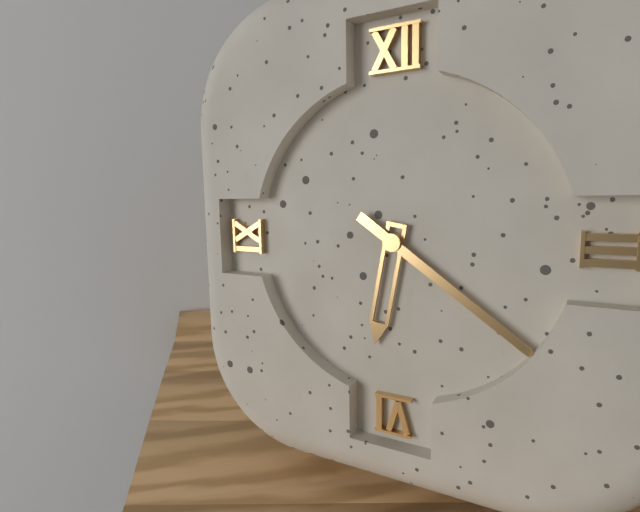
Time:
{"hour": 6, "minute": 21}
